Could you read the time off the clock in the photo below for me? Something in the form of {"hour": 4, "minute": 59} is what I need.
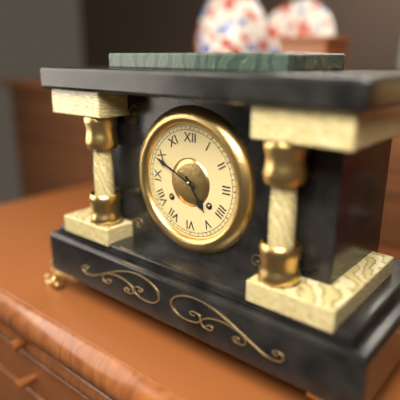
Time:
{"hour": 4, "minute": 49}
